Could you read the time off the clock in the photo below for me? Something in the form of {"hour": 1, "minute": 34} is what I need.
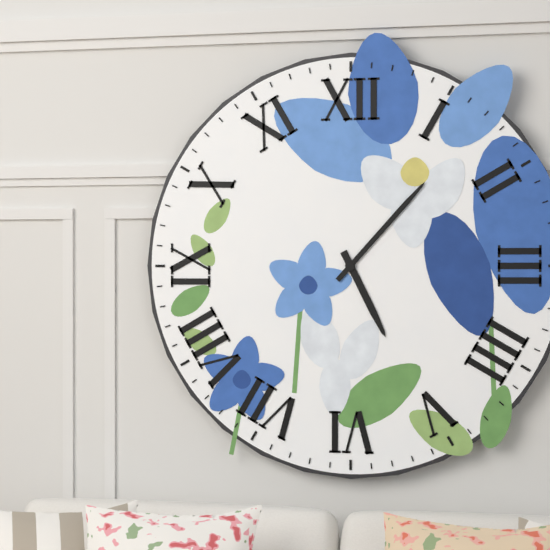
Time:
{"hour": 5, "minute": 7}
